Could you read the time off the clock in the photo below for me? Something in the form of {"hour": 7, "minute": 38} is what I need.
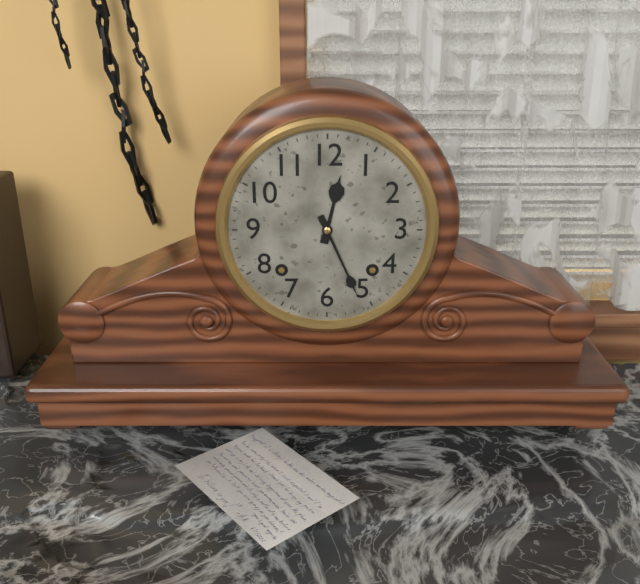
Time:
{"hour": 12, "minute": 26}
